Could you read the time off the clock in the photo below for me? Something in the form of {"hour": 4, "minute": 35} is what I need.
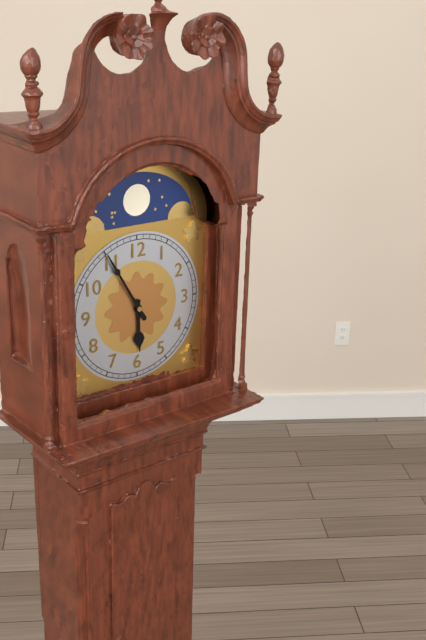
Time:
{"hour": 5, "minute": 55}
